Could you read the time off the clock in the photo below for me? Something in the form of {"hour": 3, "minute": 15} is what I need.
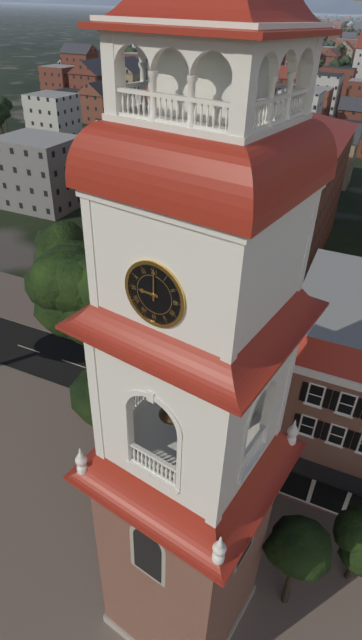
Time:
{"hour": 9, "minute": 0}
